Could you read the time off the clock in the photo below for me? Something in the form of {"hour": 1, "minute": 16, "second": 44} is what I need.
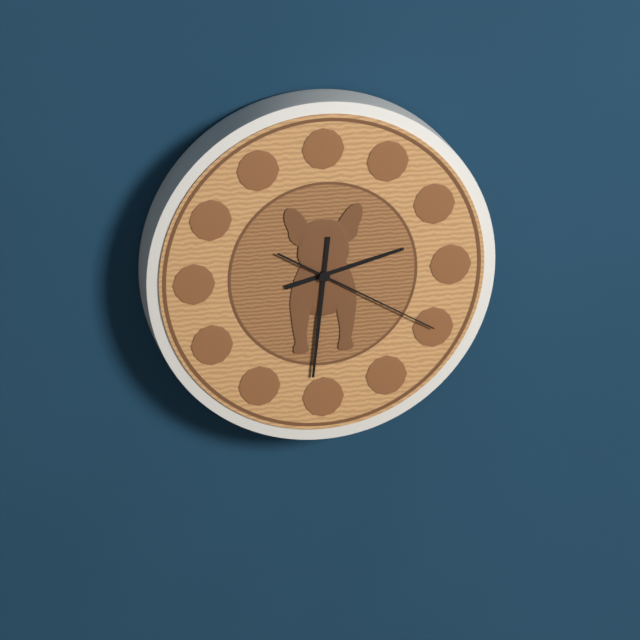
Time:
{"hour": 2, "minute": 31, "second": 20}
